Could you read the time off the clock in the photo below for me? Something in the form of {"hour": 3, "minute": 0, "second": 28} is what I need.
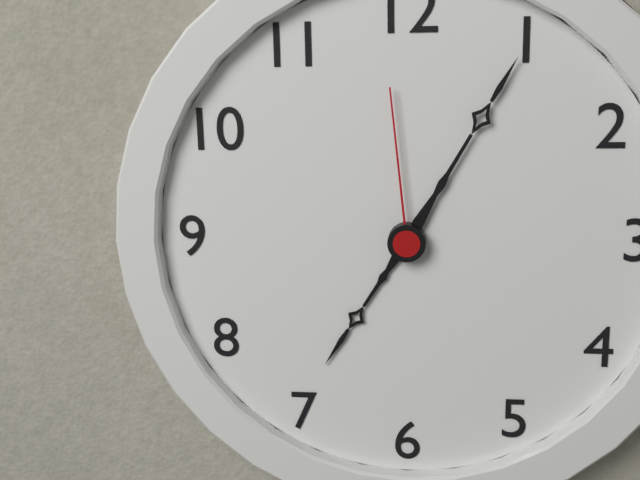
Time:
{"hour": 7, "minute": 5, "second": 59}
